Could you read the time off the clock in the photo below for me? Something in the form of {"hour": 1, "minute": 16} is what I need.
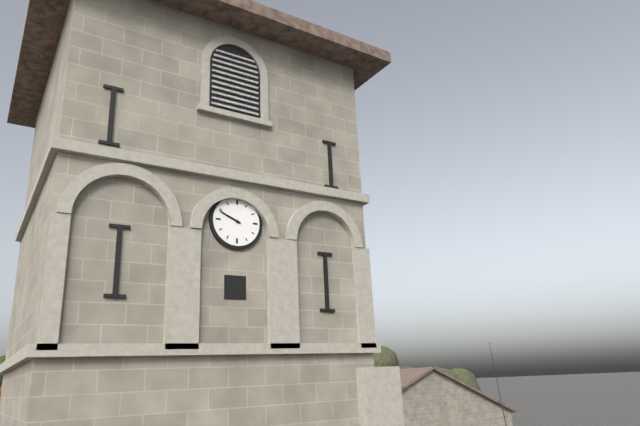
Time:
{"hour": 9, "minute": 49}
